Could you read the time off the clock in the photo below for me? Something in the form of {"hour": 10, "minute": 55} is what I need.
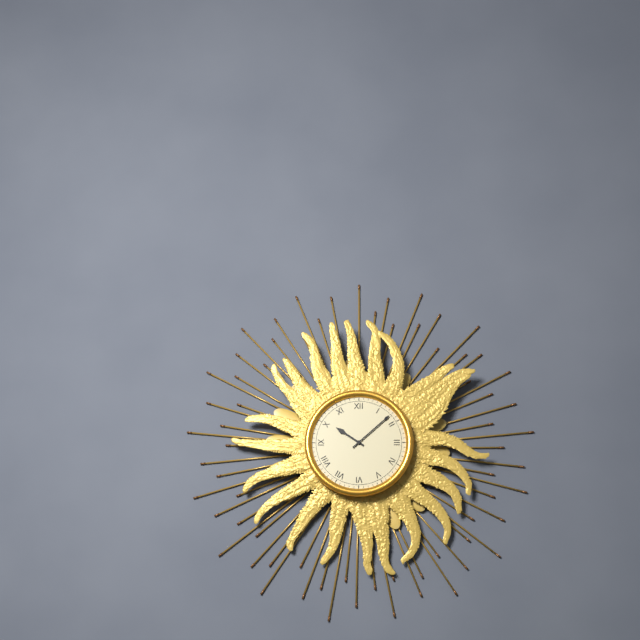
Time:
{"hour": 10, "minute": 8}
